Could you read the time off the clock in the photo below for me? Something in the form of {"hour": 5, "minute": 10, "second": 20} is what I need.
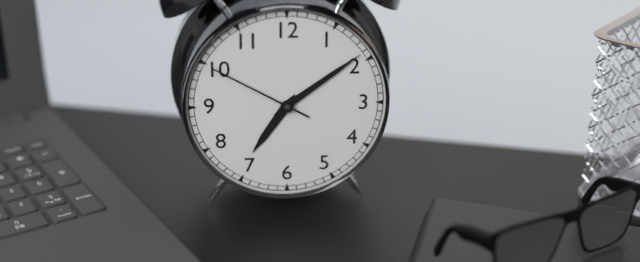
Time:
{"hour": 7, "minute": 9, "second": 50}
